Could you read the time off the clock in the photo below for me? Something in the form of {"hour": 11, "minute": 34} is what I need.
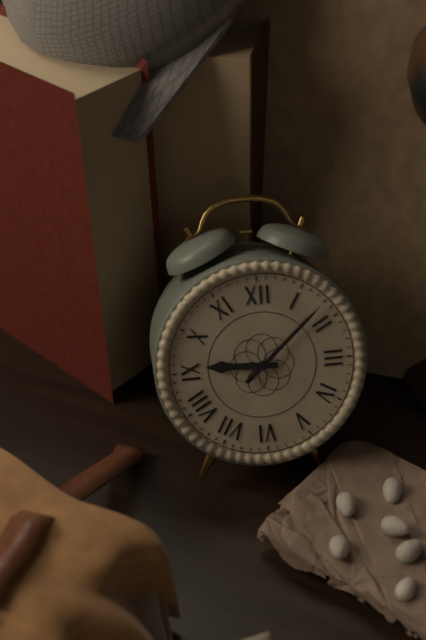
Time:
{"hour": 9, "minute": 8}
